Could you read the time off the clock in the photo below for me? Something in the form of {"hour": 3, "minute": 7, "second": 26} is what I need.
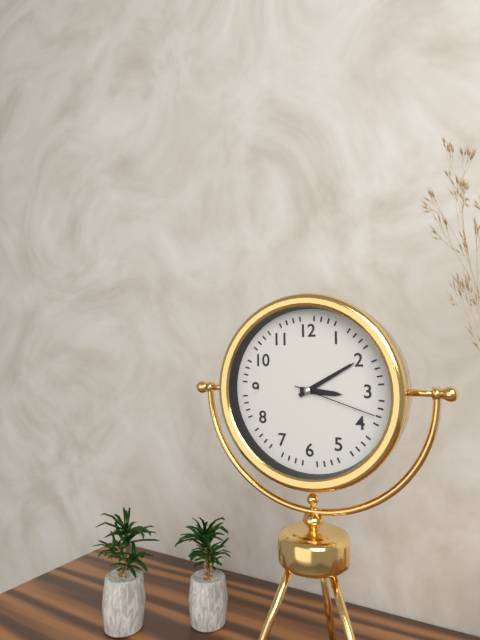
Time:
{"hour": 3, "minute": 10, "second": 18}
